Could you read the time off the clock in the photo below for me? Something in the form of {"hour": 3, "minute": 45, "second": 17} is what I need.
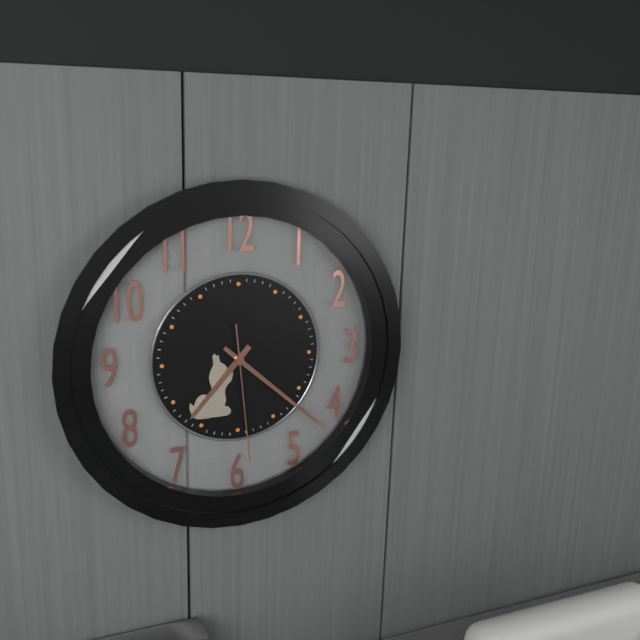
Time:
{"hour": 7, "minute": 22, "second": 29}
